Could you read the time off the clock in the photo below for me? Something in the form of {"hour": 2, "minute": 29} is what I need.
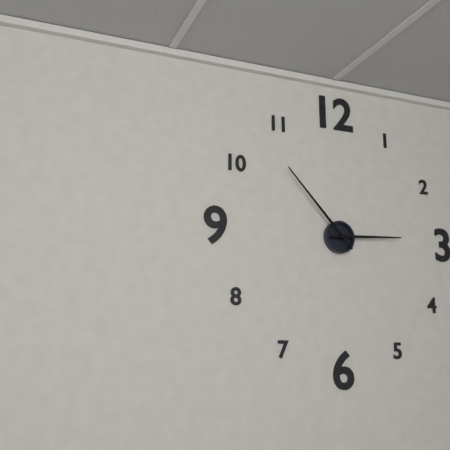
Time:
{"hour": 2, "minute": 53}
